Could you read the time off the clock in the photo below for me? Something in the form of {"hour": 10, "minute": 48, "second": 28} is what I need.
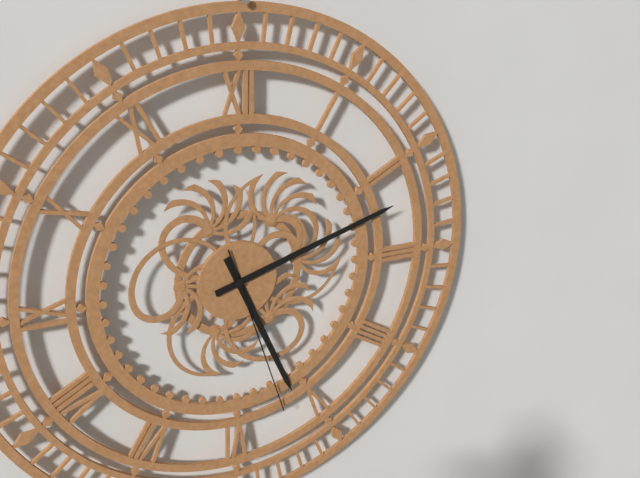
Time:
{"hour": 5, "minute": 12, "second": 27}
